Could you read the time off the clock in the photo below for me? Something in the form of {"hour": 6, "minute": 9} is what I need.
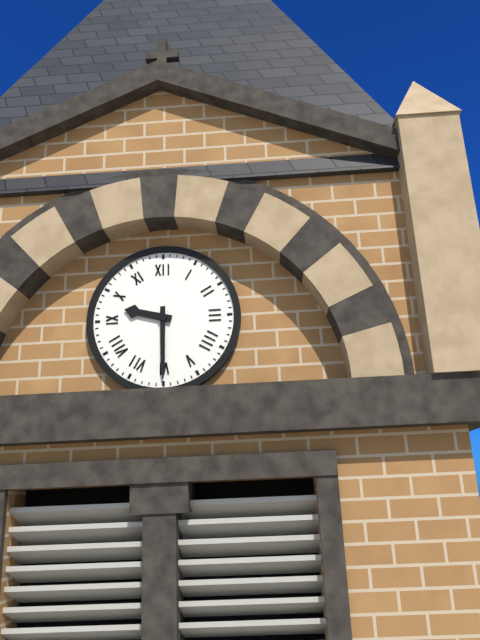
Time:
{"hour": 9, "minute": 30}
